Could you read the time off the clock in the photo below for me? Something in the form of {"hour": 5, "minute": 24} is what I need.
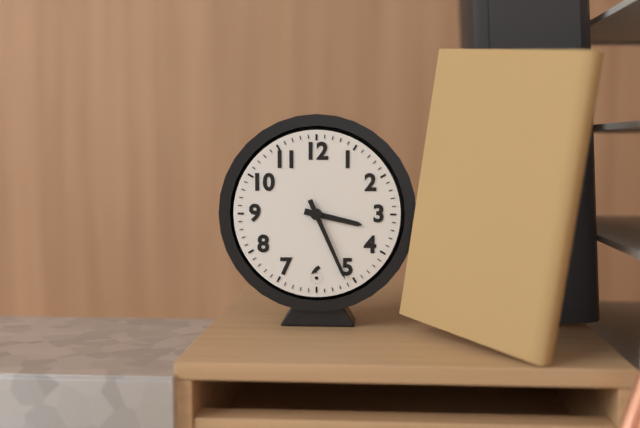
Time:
{"hour": 3, "minute": 26}
